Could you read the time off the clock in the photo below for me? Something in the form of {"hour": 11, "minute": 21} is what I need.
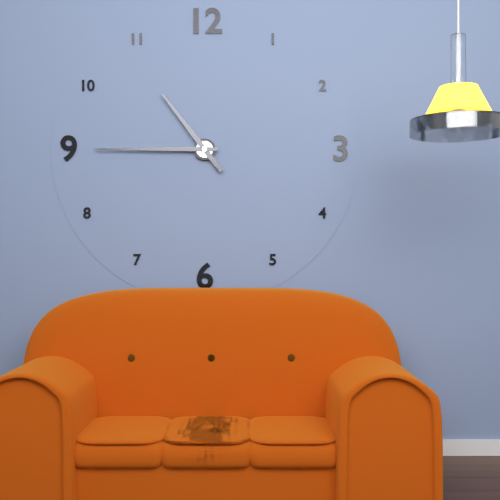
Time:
{"hour": 10, "minute": 45}
